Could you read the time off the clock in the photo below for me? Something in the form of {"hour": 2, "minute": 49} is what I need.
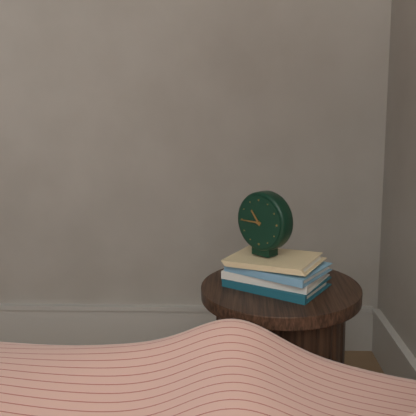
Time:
{"hour": 10, "minute": 45}
